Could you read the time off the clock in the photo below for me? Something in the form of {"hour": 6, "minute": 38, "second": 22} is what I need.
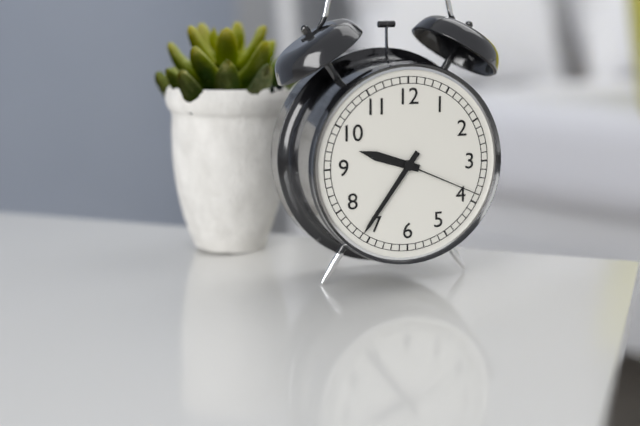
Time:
{"hour": 9, "minute": 36, "second": 19}
